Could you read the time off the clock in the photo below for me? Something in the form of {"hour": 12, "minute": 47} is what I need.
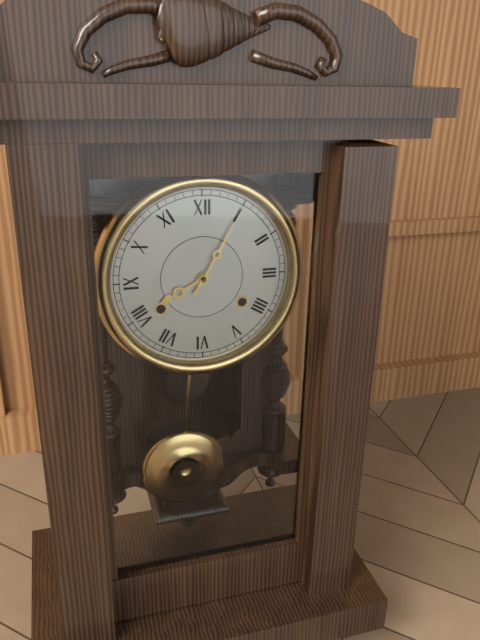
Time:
{"hour": 8, "minute": 5}
